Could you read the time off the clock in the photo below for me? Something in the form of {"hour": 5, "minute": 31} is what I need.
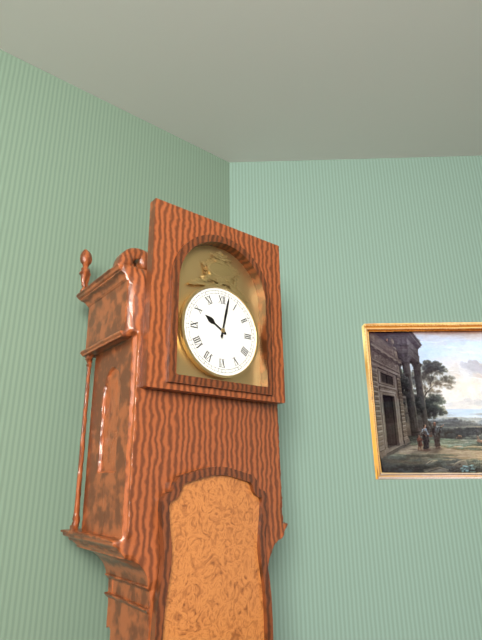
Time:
{"hour": 10, "minute": 2}
